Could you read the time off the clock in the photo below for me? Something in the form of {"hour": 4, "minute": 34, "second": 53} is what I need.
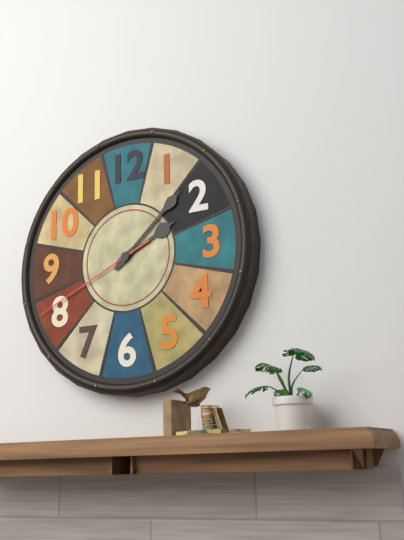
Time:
{"hour": 2, "minute": 8, "second": 41}
